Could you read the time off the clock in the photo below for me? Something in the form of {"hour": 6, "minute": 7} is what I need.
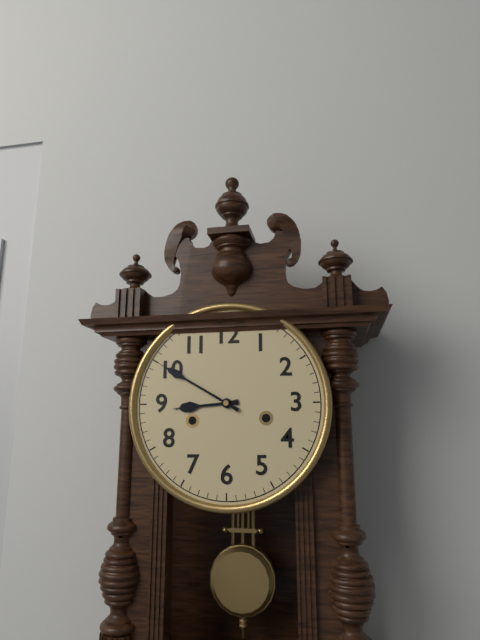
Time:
{"hour": 8, "minute": 50}
